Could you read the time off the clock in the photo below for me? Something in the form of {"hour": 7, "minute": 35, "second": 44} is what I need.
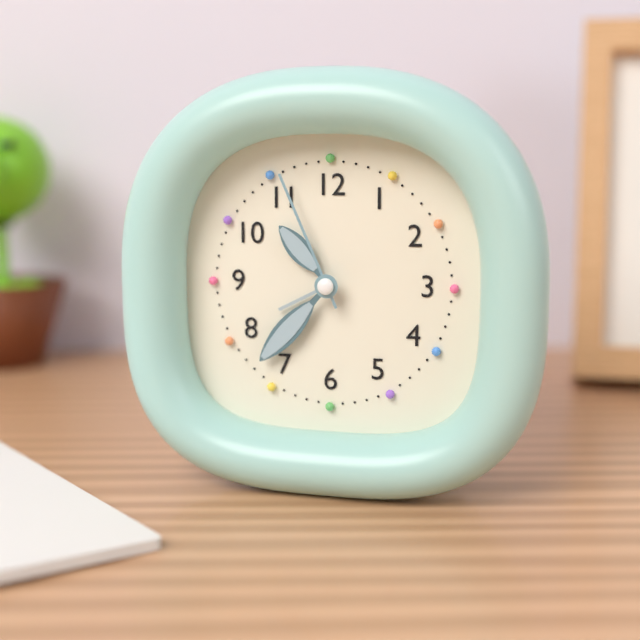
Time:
{"hour": 10, "minute": 37, "second": 56}
